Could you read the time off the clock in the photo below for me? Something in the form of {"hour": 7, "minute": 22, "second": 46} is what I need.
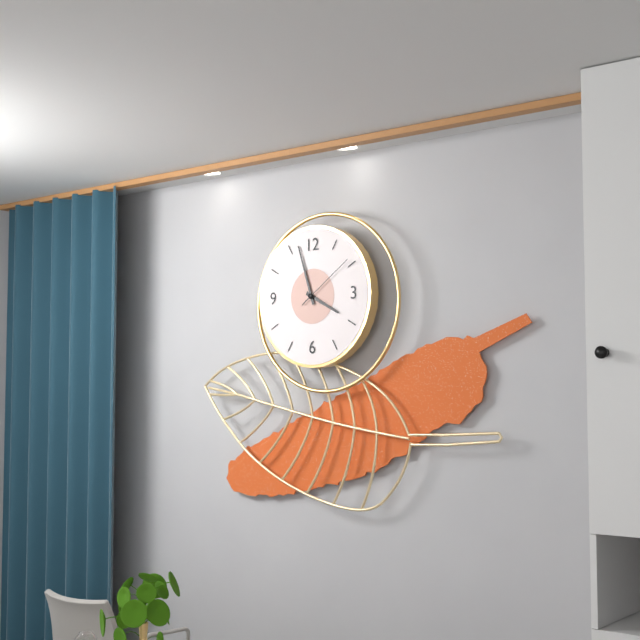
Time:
{"hour": 3, "minute": 57, "second": 9}
